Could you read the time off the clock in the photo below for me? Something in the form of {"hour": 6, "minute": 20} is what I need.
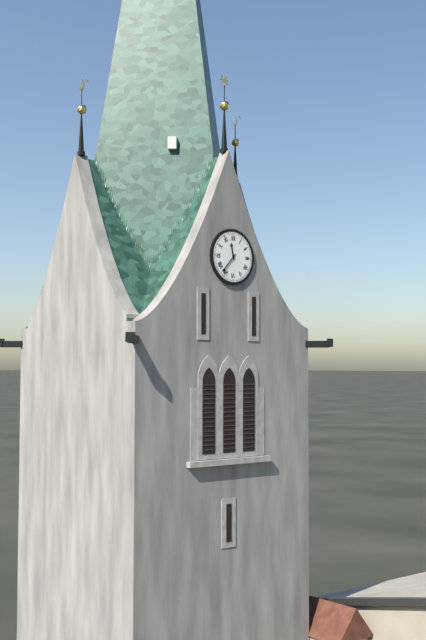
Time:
{"hour": 11, "minute": 37}
